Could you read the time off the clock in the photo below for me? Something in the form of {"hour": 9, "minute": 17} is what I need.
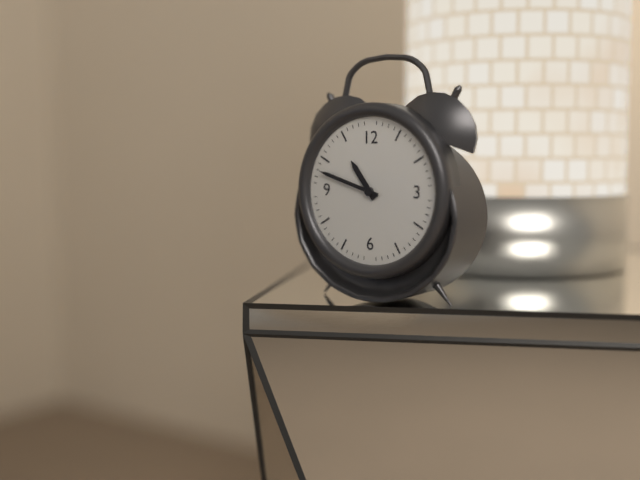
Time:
{"hour": 10, "minute": 48}
